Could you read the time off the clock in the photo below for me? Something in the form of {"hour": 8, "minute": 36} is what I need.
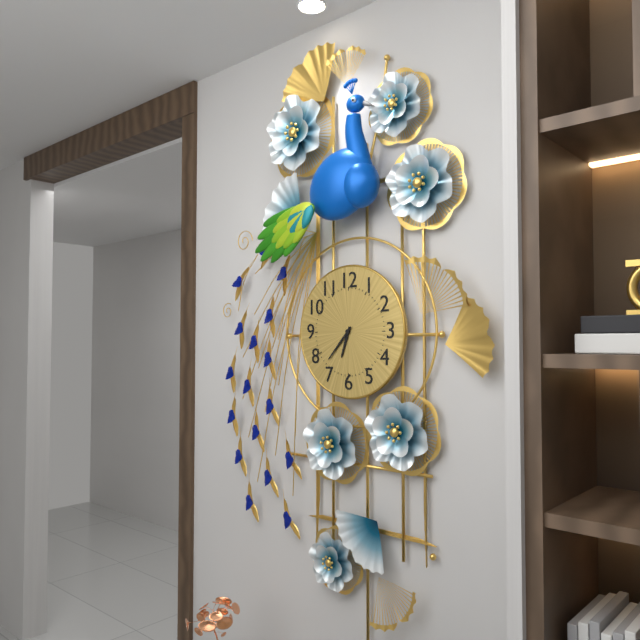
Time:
{"hour": 6, "minute": 37}
